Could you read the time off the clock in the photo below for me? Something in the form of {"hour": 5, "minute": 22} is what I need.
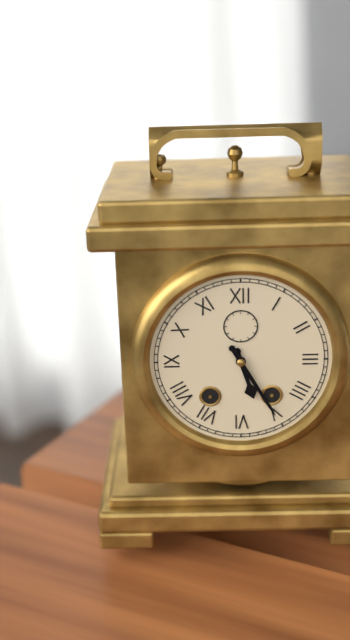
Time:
{"hour": 5, "minute": 25}
